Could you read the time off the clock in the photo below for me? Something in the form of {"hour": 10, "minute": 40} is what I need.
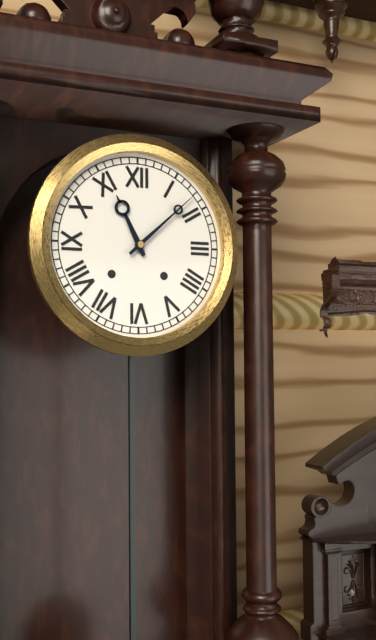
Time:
{"hour": 11, "minute": 8}
